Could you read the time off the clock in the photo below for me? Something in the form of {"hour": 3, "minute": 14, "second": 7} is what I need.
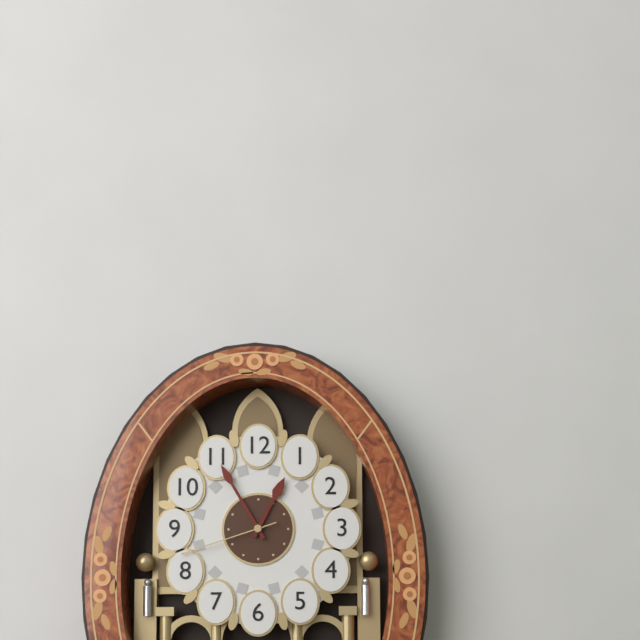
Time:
{"hour": 12, "minute": 55, "second": 42}
